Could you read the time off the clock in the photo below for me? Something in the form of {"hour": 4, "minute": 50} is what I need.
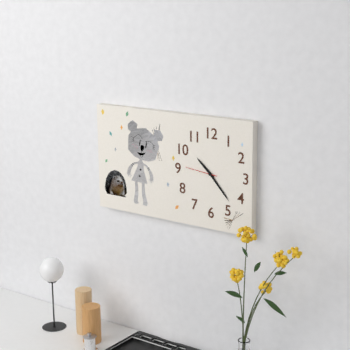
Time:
{"hour": 10, "minute": 23}
